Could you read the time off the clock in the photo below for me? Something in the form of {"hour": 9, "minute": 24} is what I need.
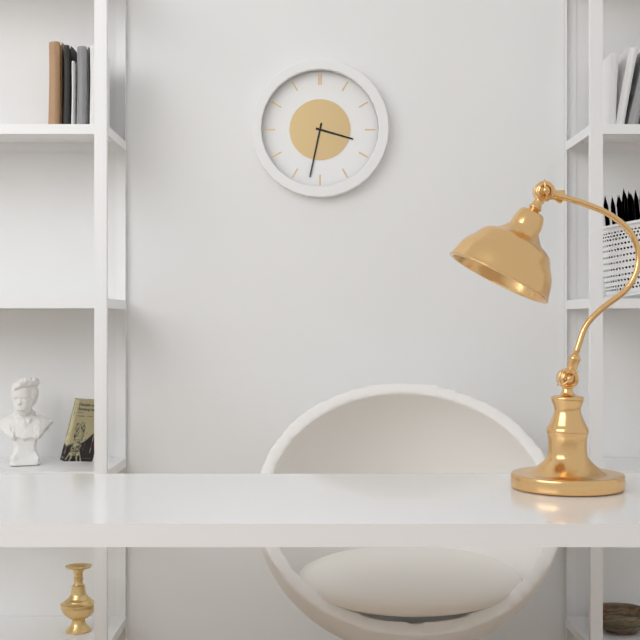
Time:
{"hour": 3, "minute": 32}
